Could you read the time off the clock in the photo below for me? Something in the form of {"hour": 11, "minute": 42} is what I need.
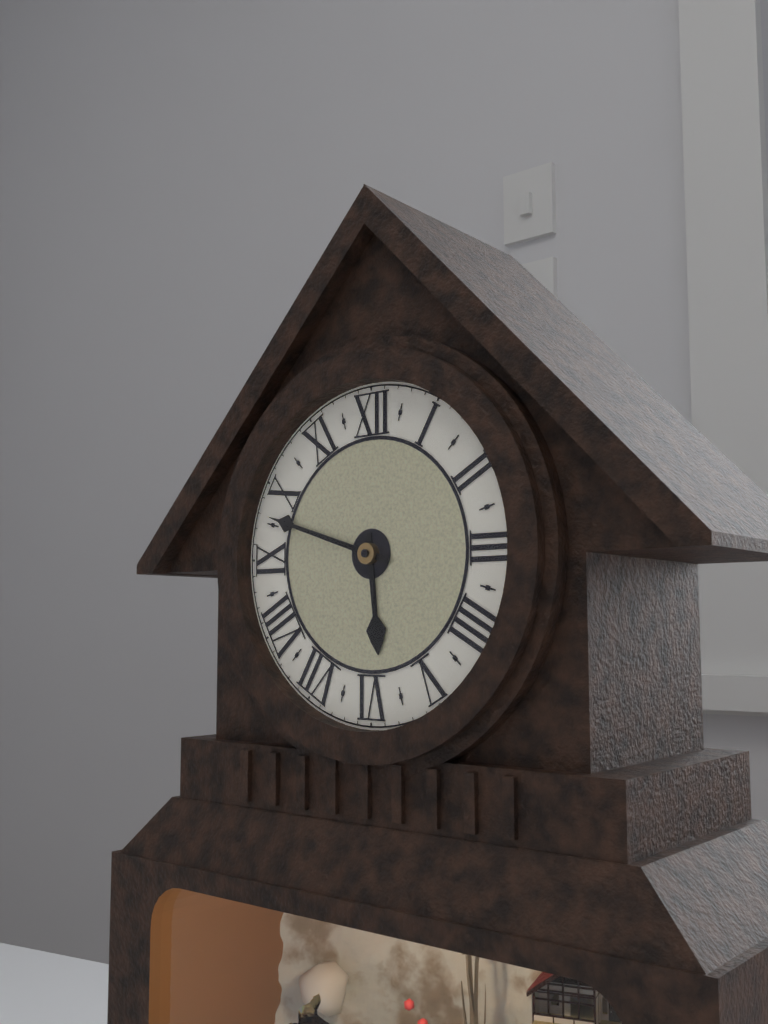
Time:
{"hour": 5, "minute": 48}
